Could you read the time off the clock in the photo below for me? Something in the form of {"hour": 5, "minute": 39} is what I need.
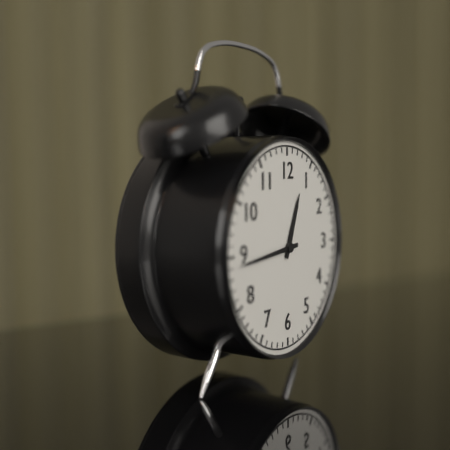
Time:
{"hour": 12, "minute": 44}
